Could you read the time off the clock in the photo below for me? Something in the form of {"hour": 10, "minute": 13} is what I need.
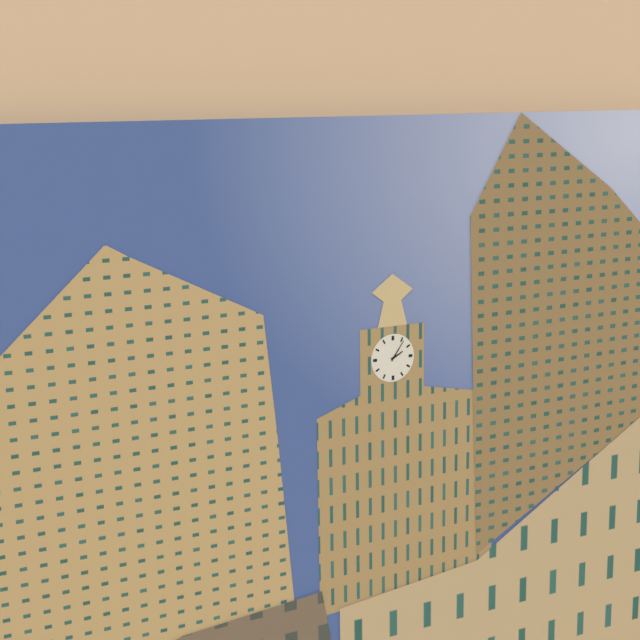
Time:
{"hour": 2, "minute": 6}
